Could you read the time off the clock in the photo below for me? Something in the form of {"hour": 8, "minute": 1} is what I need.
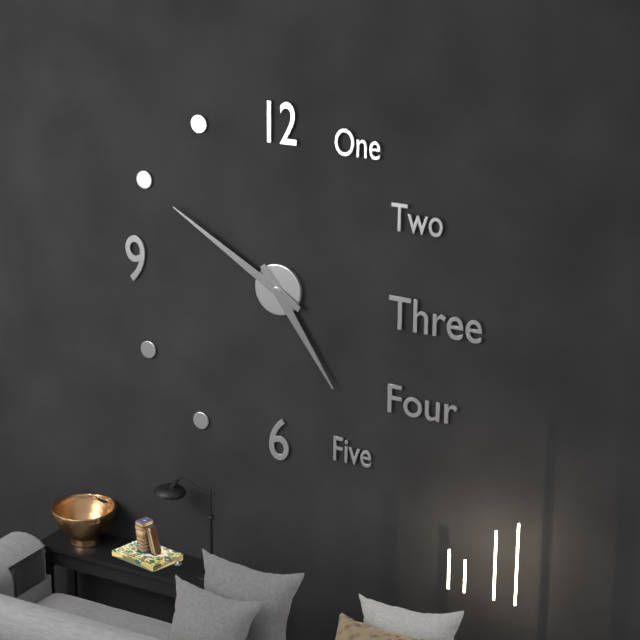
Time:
{"hour": 4, "minute": 50}
